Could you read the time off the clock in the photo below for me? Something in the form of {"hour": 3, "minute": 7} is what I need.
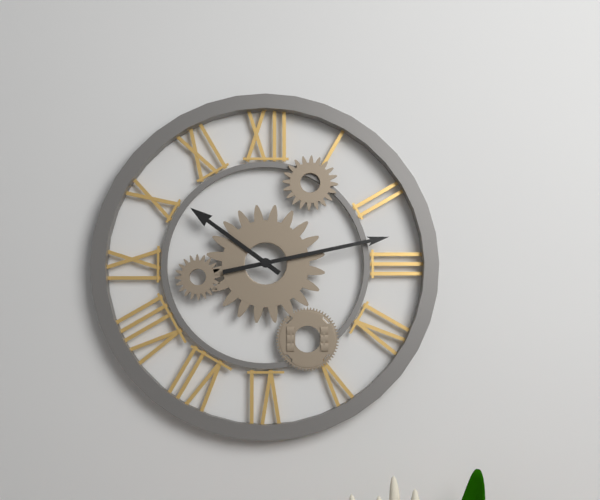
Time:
{"hour": 10, "minute": 13}
